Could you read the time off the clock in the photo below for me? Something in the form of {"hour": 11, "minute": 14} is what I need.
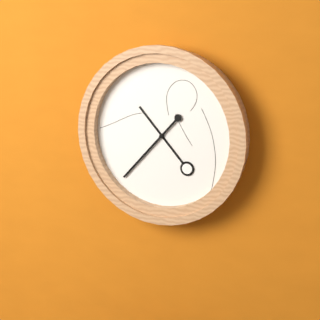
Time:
{"hour": 10, "minute": 37}
